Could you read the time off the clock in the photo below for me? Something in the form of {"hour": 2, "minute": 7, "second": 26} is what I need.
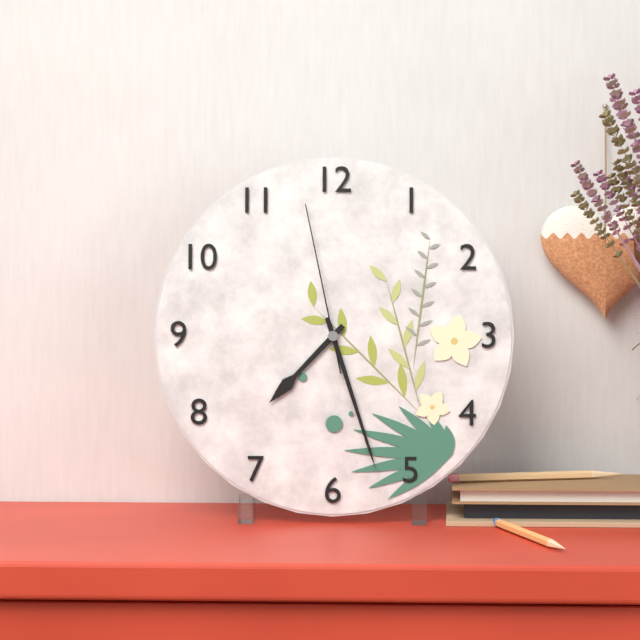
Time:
{"hour": 7, "minute": 27, "second": 58}
